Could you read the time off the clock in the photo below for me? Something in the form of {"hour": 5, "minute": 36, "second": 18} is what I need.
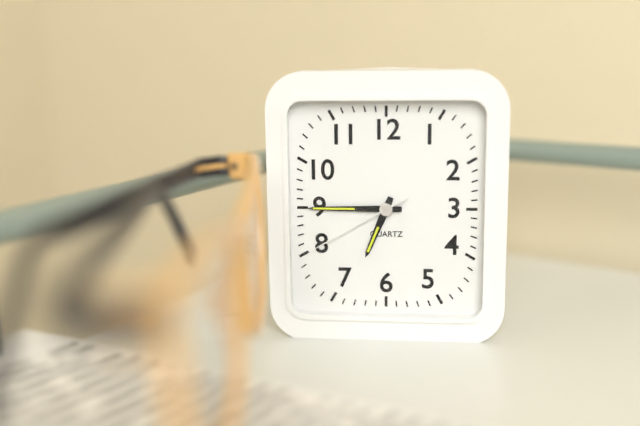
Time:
{"hour": 6, "minute": 45, "second": 40}
